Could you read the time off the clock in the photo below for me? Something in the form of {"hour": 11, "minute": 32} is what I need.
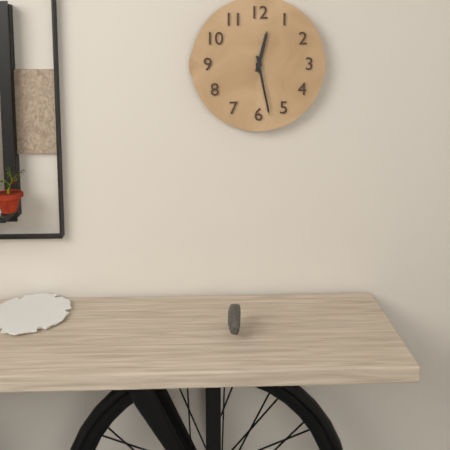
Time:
{"hour": 12, "minute": 28}
